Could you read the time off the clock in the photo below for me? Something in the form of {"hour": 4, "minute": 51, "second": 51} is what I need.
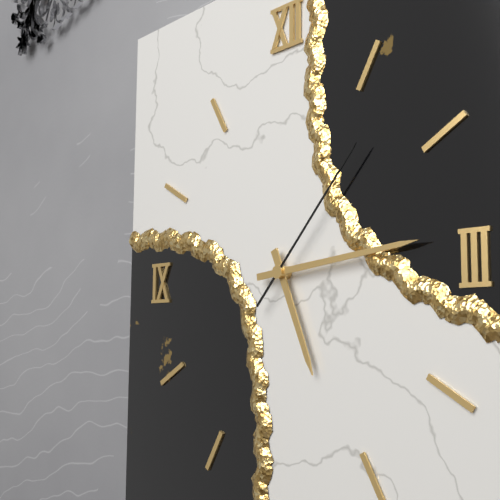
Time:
{"hour": 5, "minute": 14, "second": 7}
